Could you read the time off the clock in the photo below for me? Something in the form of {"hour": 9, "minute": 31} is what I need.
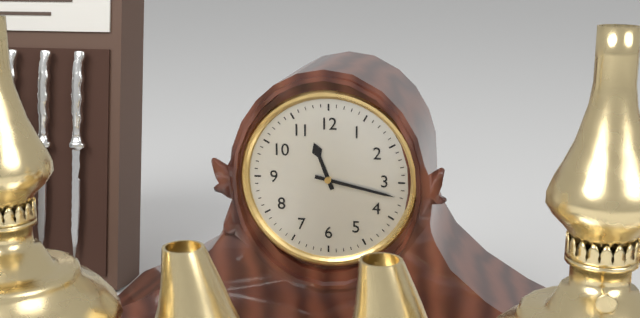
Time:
{"hour": 11, "minute": 17}
